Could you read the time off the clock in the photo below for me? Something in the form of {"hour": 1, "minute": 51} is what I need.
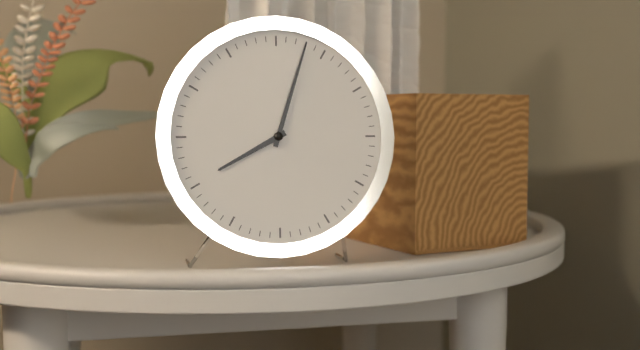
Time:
{"hour": 8, "minute": 3}
